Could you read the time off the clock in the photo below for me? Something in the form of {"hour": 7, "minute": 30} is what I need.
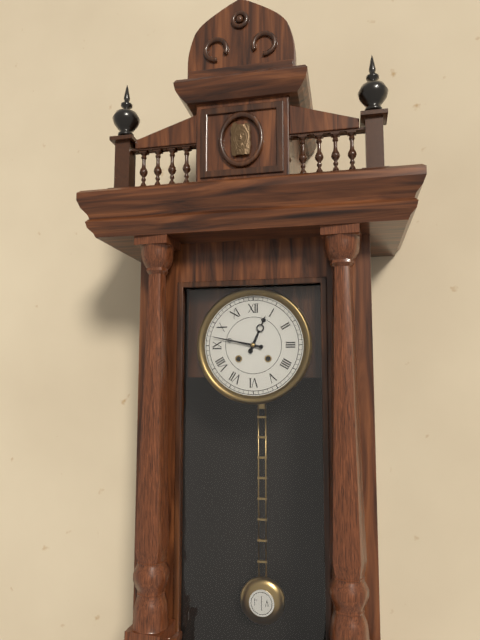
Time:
{"hour": 12, "minute": 47}
